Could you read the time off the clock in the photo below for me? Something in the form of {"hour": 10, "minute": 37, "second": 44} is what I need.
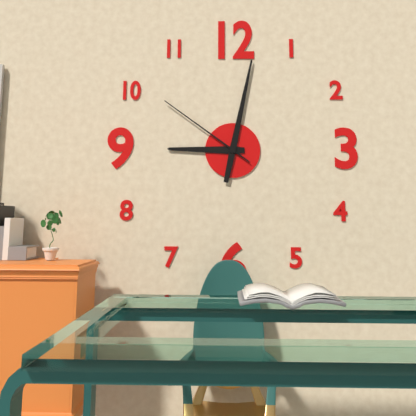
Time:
{"hour": 9, "minute": 2, "second": 51}
